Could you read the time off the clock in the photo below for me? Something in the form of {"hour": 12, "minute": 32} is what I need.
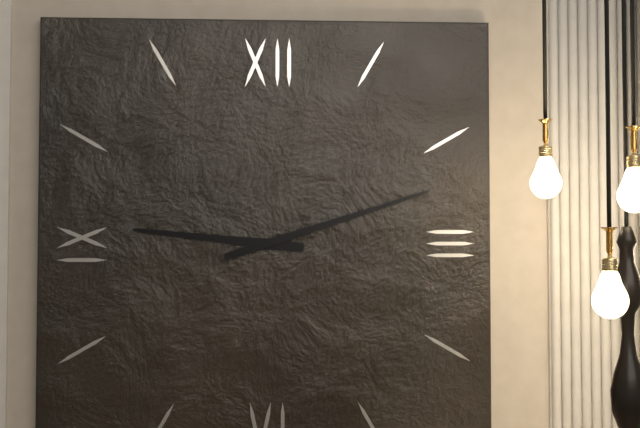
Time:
{"hour": 9, "minute": 12}
